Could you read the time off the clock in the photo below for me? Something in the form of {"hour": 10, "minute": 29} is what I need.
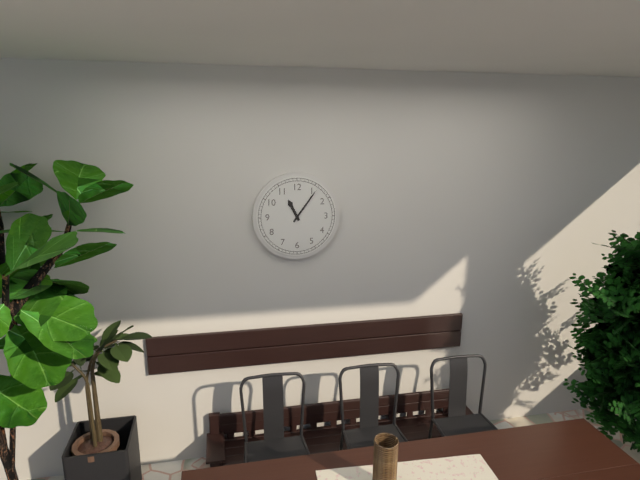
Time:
{"hour": 11, "minute": 6}
